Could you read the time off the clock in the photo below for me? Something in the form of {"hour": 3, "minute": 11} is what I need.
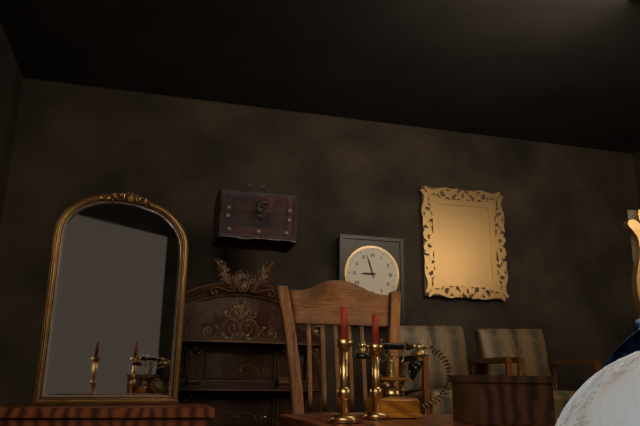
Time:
{"hour": 8, "minute": 57}
